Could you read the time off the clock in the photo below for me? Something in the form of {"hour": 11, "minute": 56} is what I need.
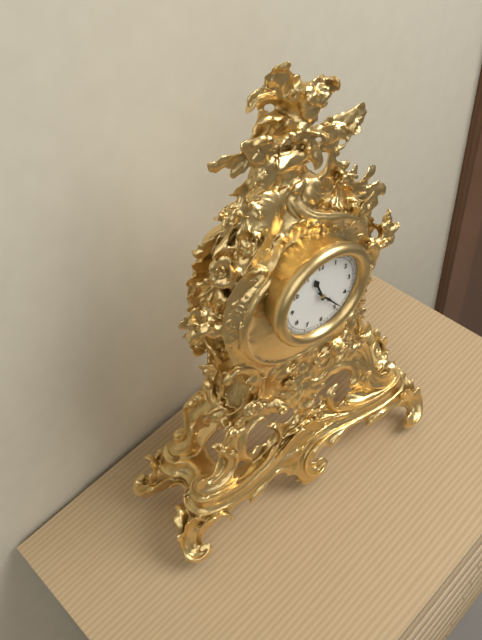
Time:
{"hour": 11, "minute": 24}
